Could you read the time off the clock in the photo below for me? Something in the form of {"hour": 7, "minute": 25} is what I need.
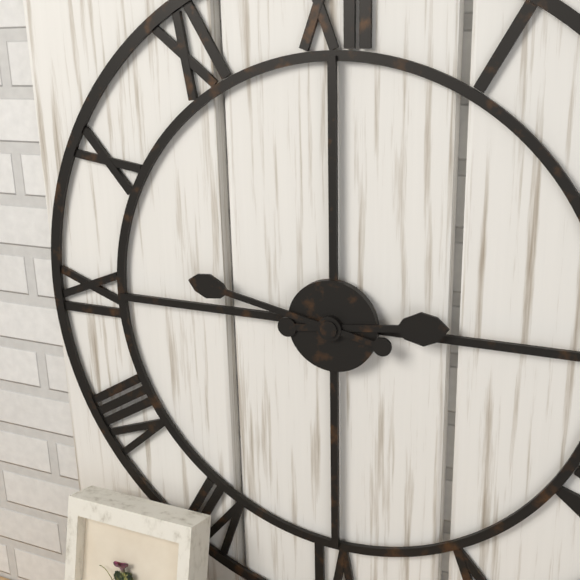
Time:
{"hour": 2, "minute": 47}
